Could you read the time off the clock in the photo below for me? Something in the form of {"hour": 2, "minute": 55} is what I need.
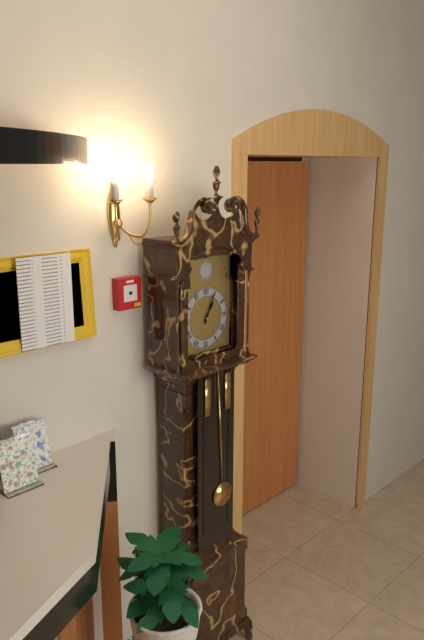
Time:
{"hour": 1, "minute": 4}
